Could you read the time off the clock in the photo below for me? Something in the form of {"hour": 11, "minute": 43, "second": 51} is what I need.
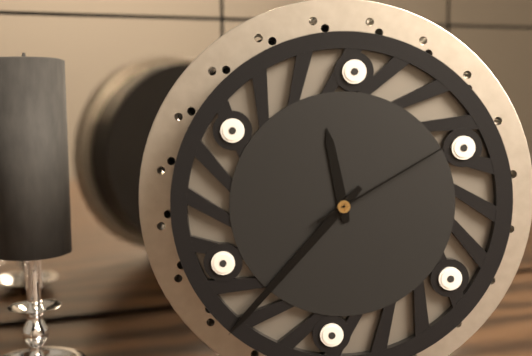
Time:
{"hour": 11, "minute": 37, "second": 10}
